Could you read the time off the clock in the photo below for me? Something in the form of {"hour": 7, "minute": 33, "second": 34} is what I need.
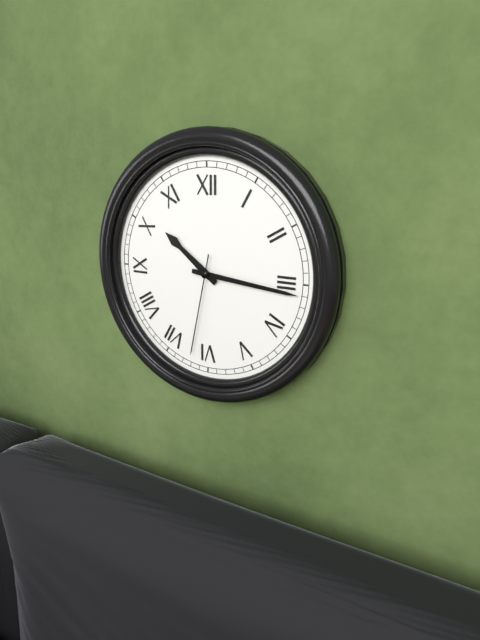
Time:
{"hour": 10, "minute": 16, "second": 32}
